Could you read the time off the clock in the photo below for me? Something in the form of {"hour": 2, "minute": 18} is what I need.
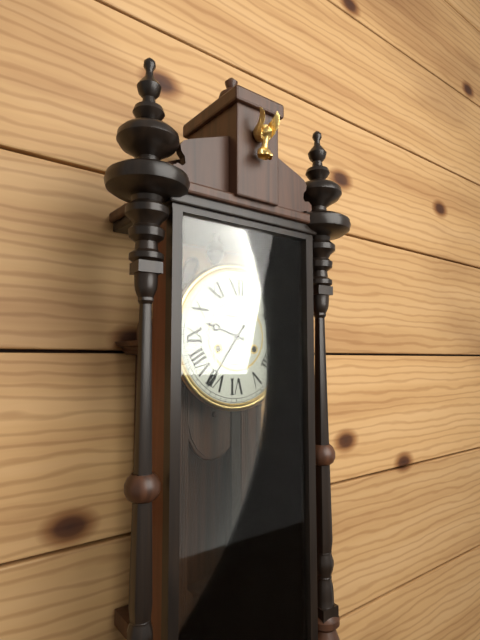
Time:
{"hour": 9, "minute": 36}
